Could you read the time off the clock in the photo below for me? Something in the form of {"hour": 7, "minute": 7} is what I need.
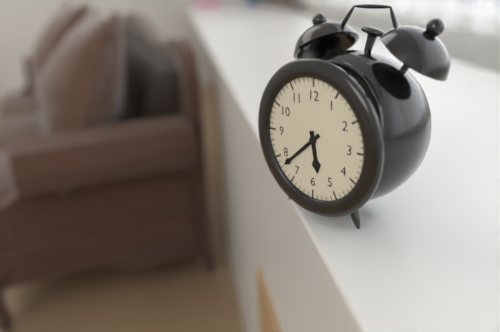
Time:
{"hour": 5, "minute": 38}
